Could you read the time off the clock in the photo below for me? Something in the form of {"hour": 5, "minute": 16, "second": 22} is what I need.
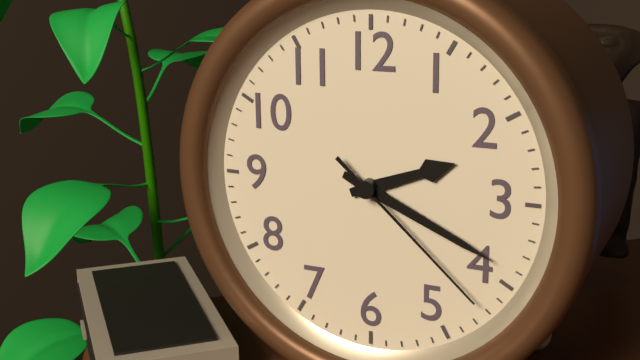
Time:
{"hour": 2, "minute": 19, "second": 22}
